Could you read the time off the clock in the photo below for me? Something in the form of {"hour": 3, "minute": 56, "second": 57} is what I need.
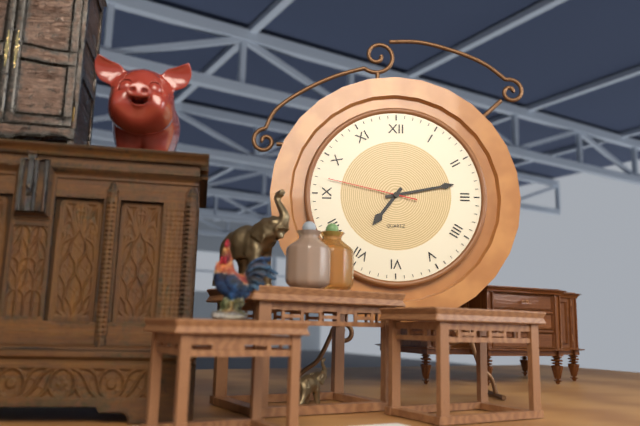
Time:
{"hour": 7, "minute": 13, "second": 47}
